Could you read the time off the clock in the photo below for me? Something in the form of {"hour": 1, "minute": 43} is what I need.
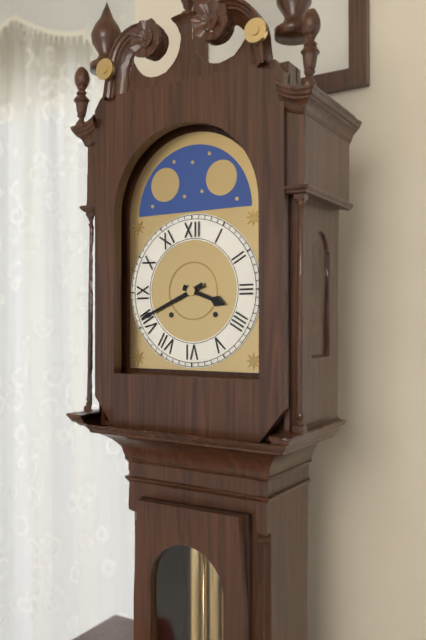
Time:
{"hour": 3, "minute": 41}
